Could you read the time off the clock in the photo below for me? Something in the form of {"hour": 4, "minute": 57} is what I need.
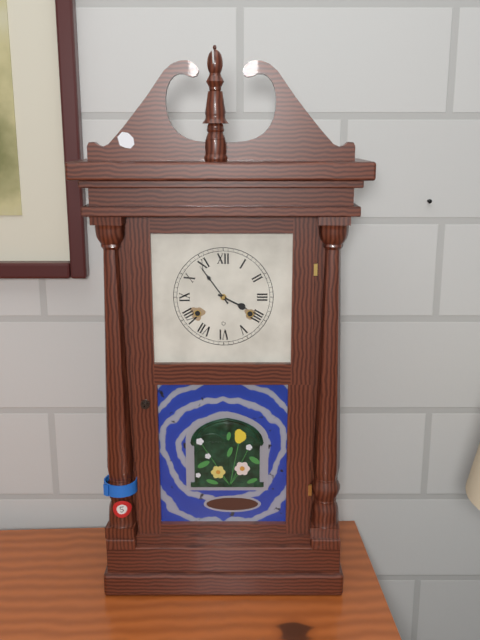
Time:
{"hour": 3, "minute": 54}
